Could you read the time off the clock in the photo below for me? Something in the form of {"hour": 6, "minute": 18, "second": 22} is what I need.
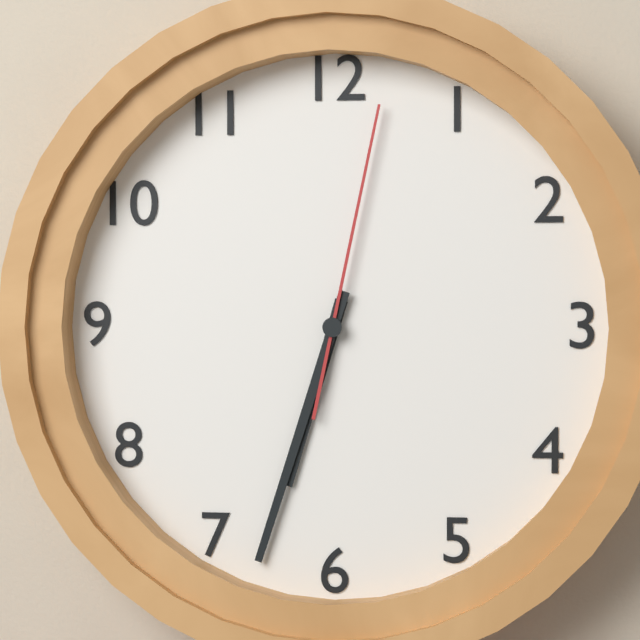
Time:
{"hour": 6, "minute": 33, "second": 2}
